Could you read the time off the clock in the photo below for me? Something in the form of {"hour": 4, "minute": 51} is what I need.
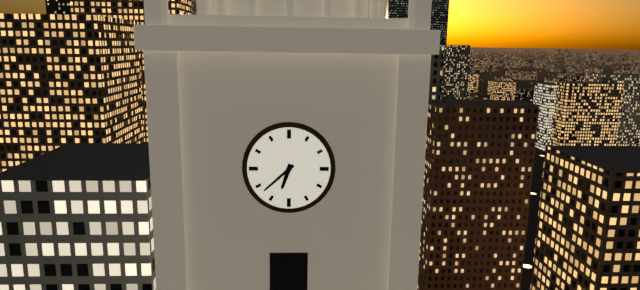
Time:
{"hour": 6, "minute": 38}
